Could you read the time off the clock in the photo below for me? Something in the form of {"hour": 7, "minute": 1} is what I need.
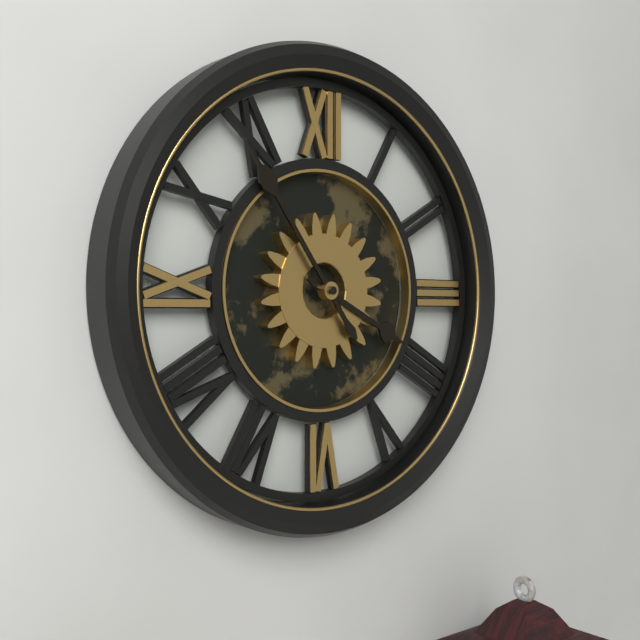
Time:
{"hour": 3, "minute": 54}
